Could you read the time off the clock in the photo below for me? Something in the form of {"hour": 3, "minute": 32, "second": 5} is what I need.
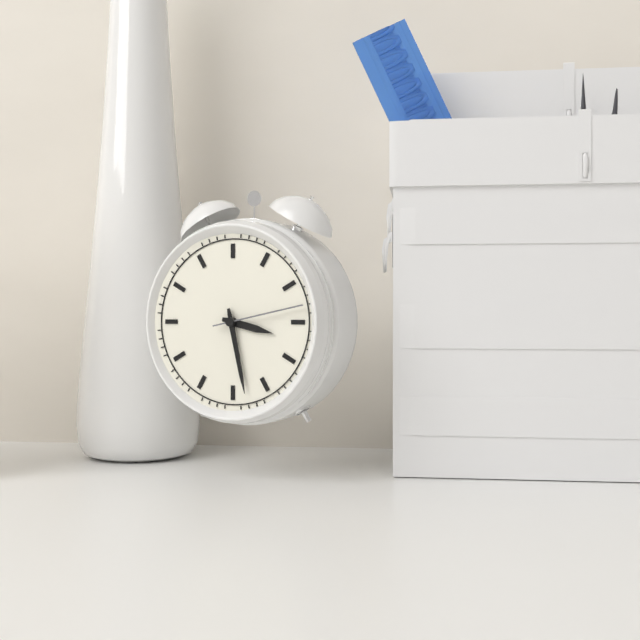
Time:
{"hour": 3, "minute": 28, "second": 13}
